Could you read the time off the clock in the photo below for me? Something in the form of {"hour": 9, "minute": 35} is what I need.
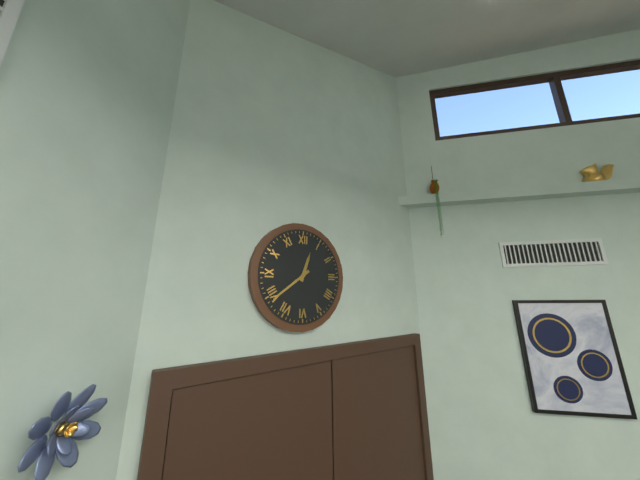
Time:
{"hour": 12, "minute": 39}
